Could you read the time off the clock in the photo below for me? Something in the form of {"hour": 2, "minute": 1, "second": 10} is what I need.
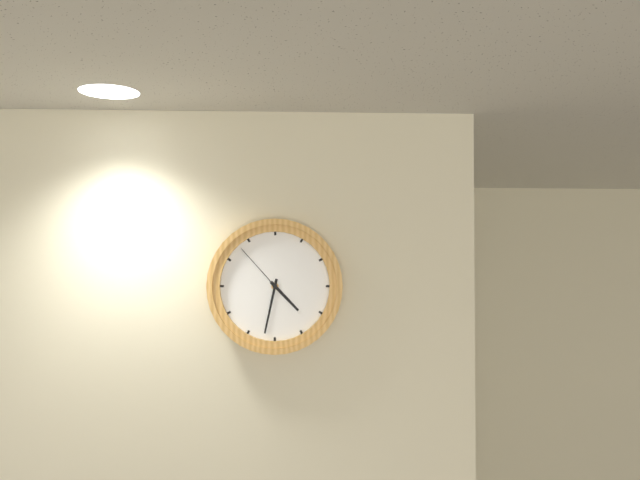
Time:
{"hour": 4, "minute": 32, "second": 53}
